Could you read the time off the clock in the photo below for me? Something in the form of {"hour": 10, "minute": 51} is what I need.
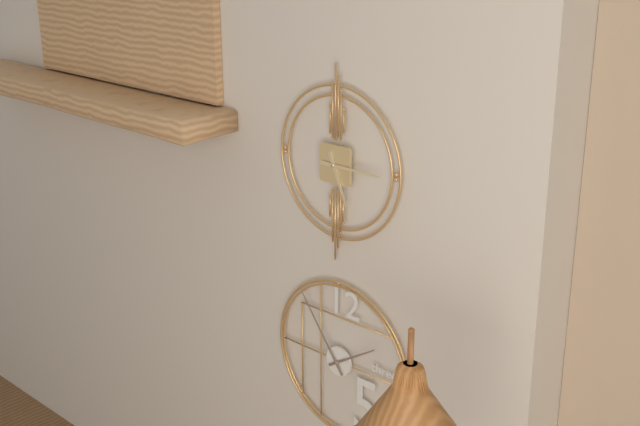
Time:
{"hour": 5, "minute": 15}
